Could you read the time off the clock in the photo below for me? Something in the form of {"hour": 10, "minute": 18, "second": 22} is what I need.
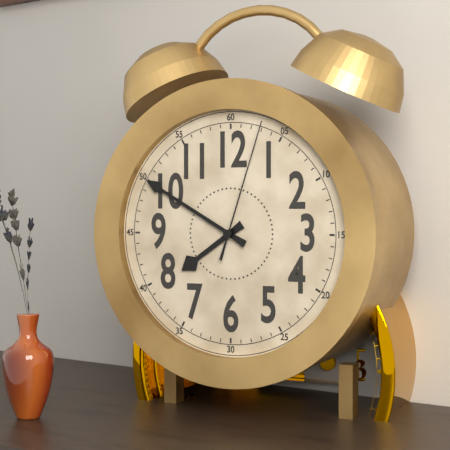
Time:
{"hour": 7, "minute": 50, "second": 3}
